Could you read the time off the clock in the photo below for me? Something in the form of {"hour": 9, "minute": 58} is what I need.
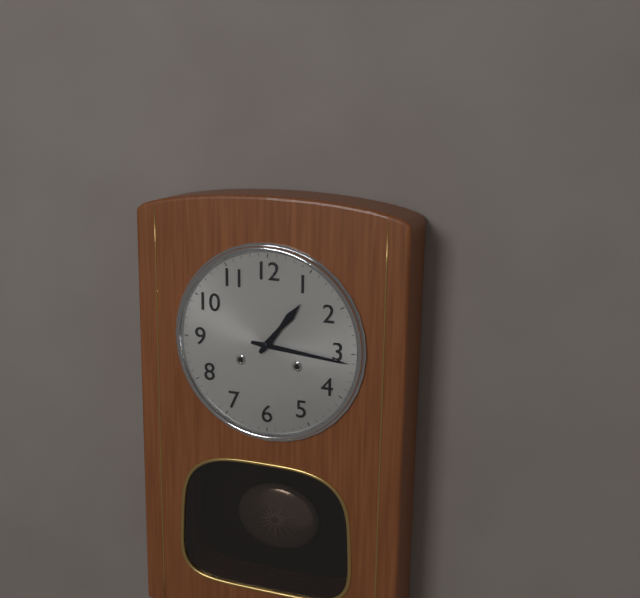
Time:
{"hour": 1, "minute": 16}
